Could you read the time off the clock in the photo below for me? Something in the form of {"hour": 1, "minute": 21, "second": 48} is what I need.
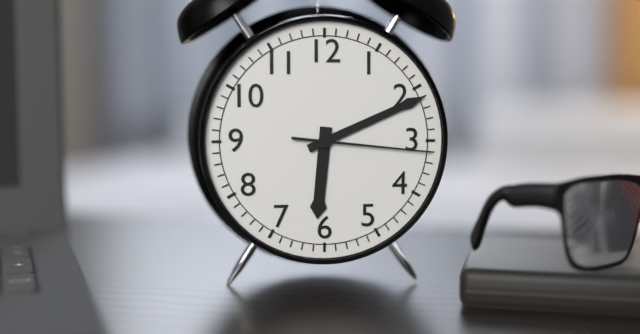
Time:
{"hour": 6, "minute": 11, "second": 16}
